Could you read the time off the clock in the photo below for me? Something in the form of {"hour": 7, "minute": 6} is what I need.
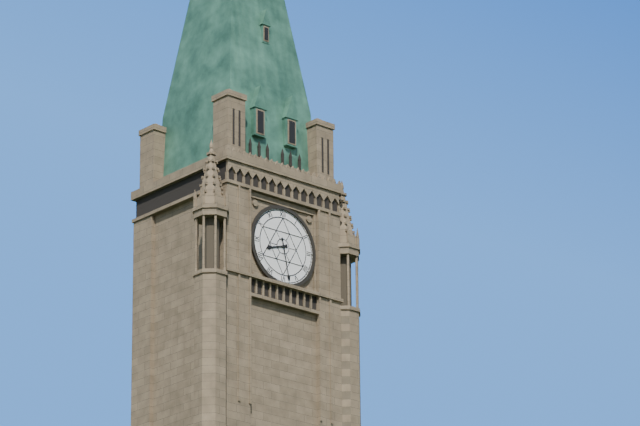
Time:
{"hour": 8, "minute": 28}
